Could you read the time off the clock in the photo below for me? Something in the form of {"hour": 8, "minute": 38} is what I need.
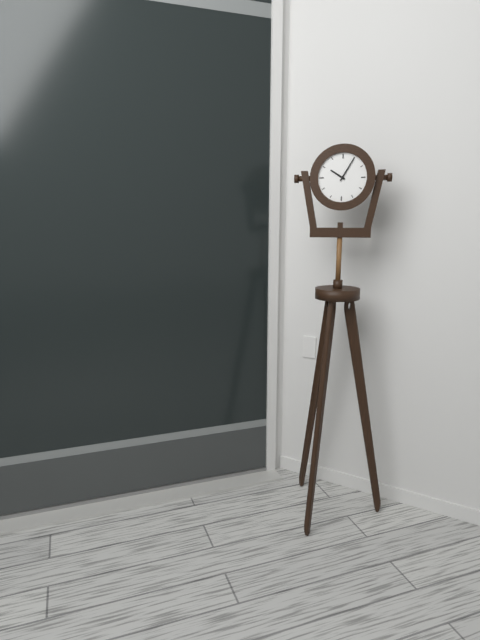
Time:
{"hour": 10, "minute": 5}
